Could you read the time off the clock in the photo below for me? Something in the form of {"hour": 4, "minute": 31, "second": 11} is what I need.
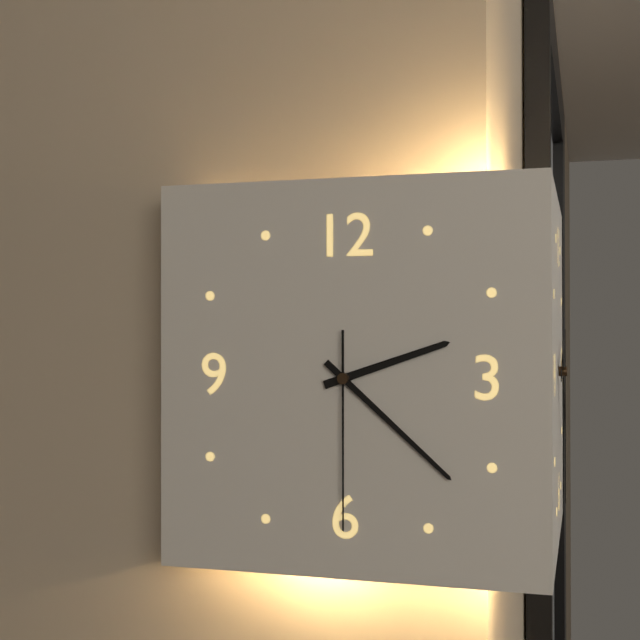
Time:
{"hour": 2, "minute": 22, "second": 30}
